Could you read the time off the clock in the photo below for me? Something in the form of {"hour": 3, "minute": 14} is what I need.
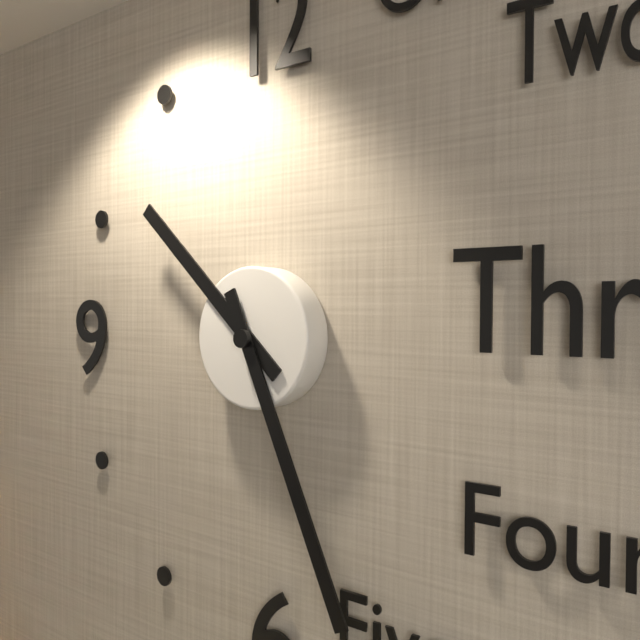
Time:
{"hour": 10, "minute": 26}
